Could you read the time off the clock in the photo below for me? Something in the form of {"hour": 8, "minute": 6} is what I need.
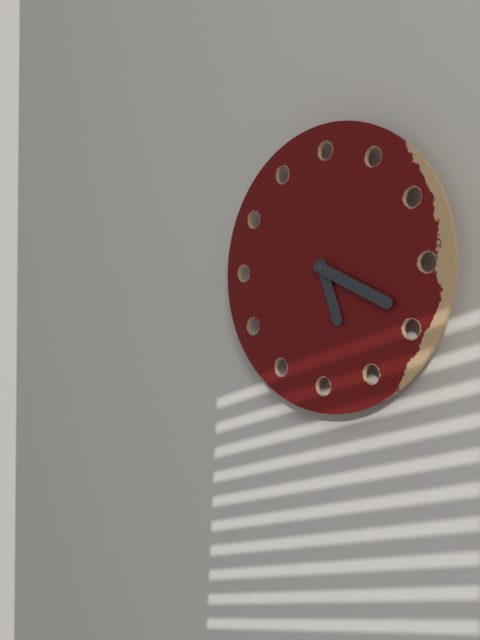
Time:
{"hour": 5, "minute": 19}
